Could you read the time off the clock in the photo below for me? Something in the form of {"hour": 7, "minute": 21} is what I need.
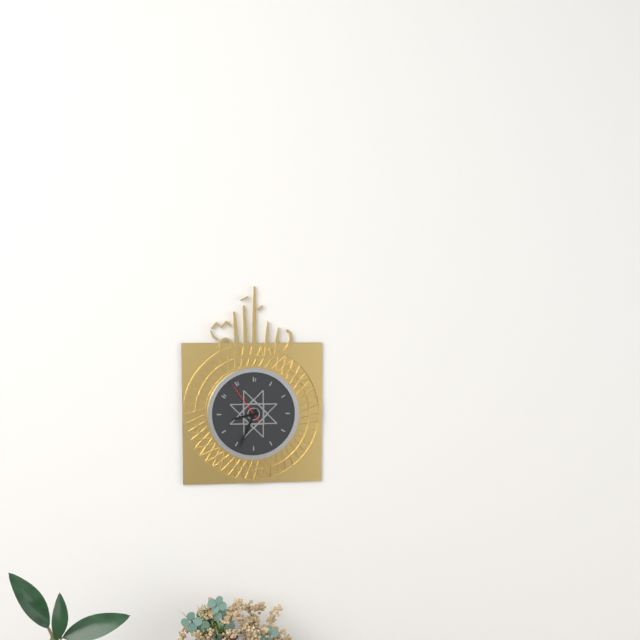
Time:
{"hour": 8, "minute": 34}
